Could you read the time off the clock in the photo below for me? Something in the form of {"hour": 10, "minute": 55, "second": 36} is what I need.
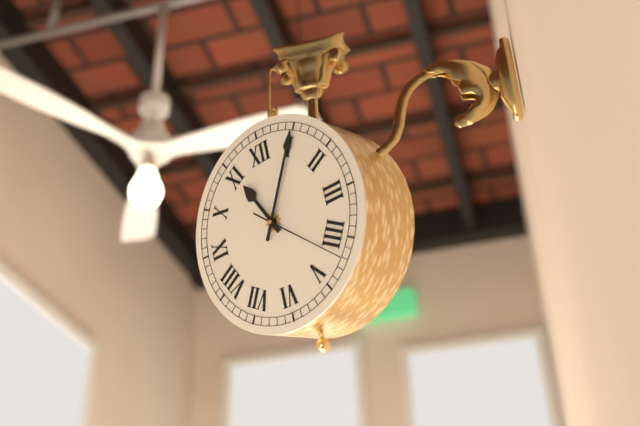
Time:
{"hour": 11, "minute": 5, "second": 22}
